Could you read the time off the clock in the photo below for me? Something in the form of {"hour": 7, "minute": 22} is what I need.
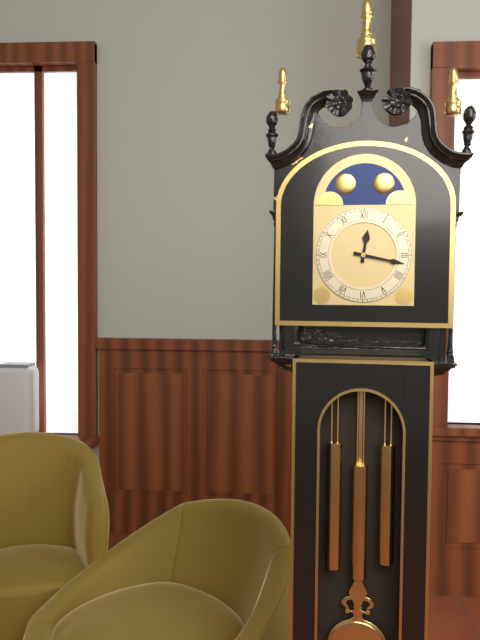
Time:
{"hour": 12, "minute": 17}
